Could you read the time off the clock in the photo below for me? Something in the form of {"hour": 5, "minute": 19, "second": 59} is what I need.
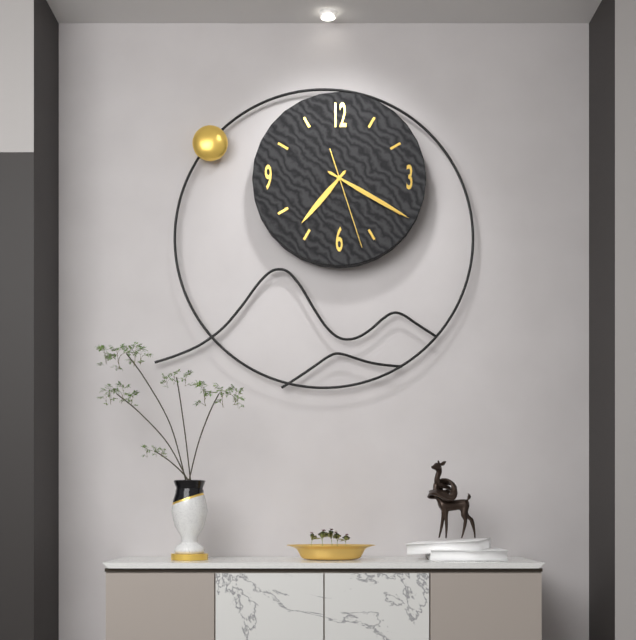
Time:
{"hour": 7, "minute": 20, "second": 27}
